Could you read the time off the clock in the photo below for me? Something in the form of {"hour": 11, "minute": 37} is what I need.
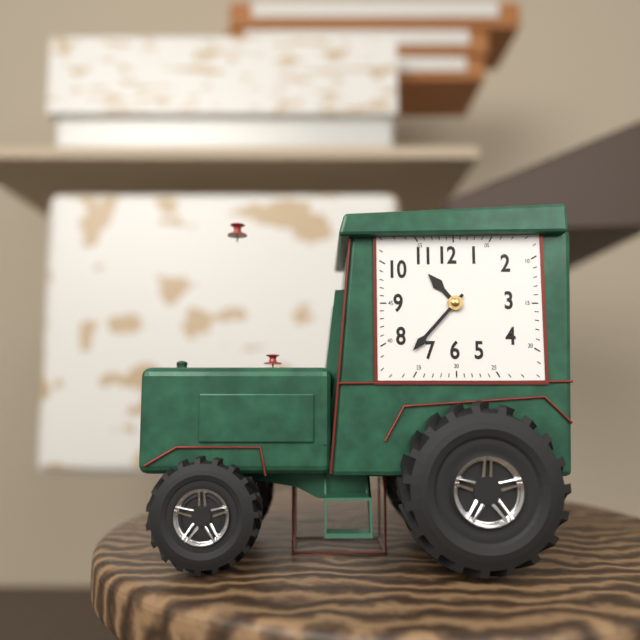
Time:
{"hour": 10, "minute": 37}
